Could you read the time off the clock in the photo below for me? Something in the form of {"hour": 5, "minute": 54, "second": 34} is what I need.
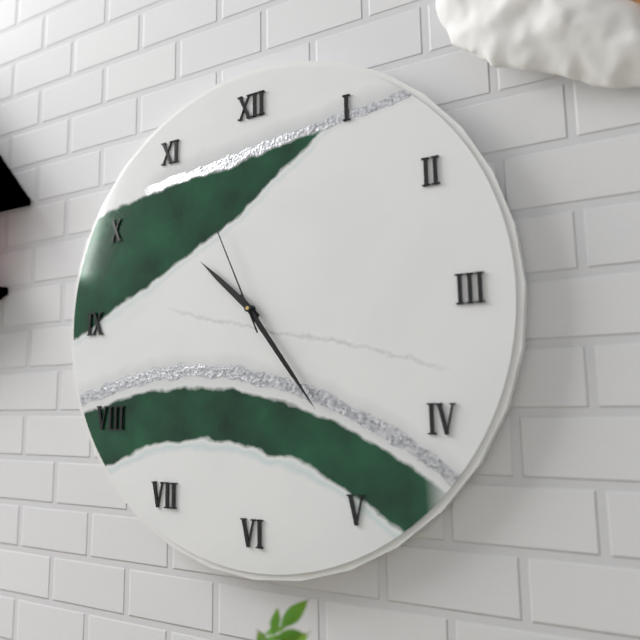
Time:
{"hour": 10, "minute": 24, "second": 56}
